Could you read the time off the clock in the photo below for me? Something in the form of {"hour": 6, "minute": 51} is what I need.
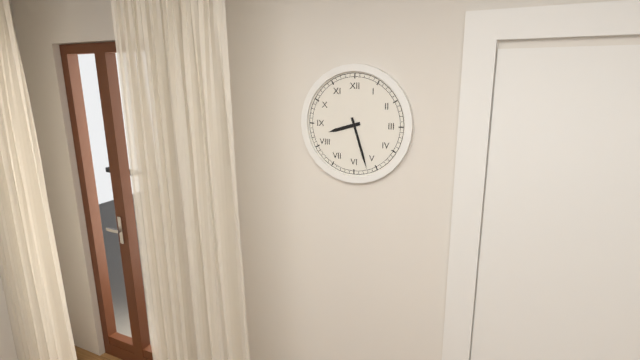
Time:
{"hour": 8, "minute": 27}
